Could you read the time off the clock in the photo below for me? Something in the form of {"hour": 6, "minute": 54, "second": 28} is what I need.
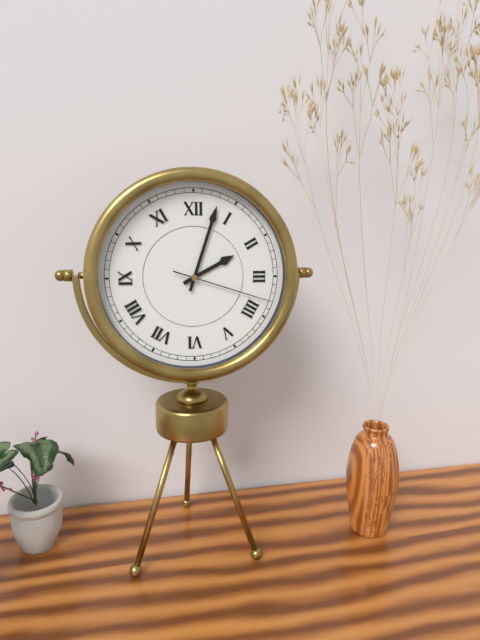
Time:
{"hour": 2, "minute": 3, "second": 18}
